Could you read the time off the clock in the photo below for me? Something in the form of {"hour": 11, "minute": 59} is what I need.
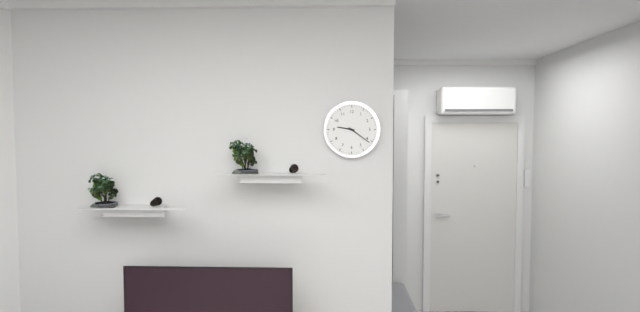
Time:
{"hour": 9, "minute": 21}
